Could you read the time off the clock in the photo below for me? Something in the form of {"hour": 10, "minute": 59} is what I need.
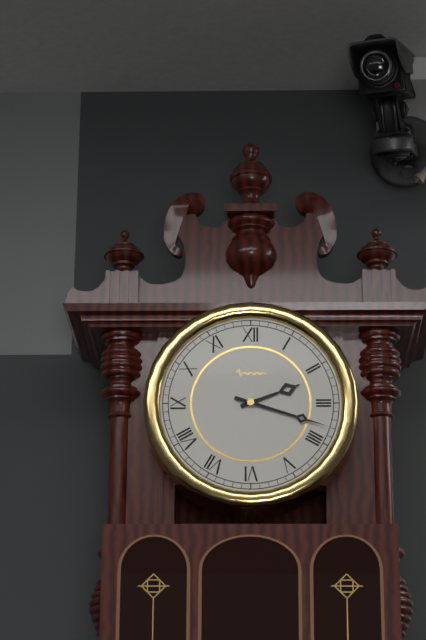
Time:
{"hour": 2, "minute": 18}
